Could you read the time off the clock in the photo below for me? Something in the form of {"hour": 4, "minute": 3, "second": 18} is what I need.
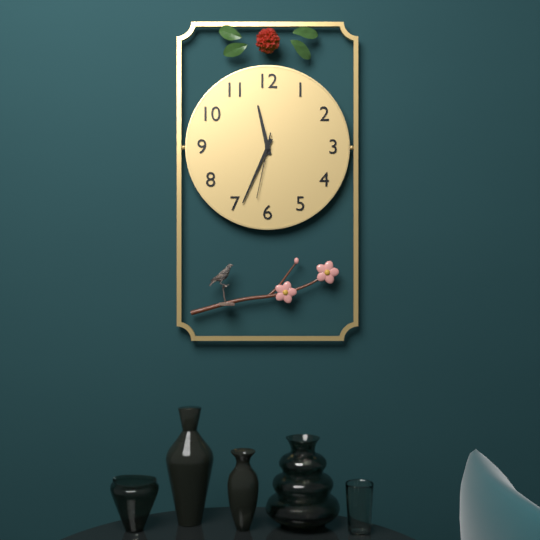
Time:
{"hour": 11, "minute": 34, "second": 32}
